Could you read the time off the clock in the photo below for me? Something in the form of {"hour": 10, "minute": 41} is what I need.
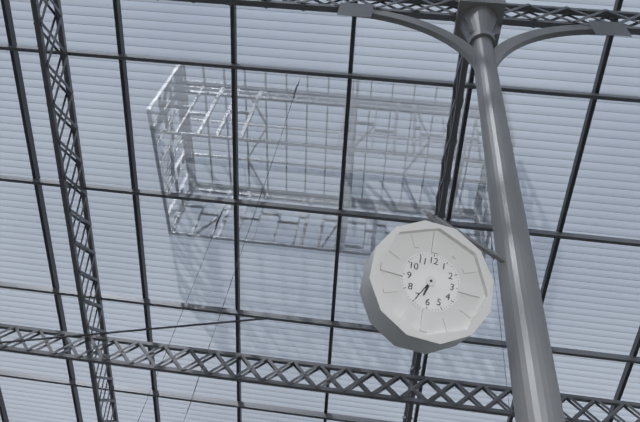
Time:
{"hour": 6, "minute": 35}
